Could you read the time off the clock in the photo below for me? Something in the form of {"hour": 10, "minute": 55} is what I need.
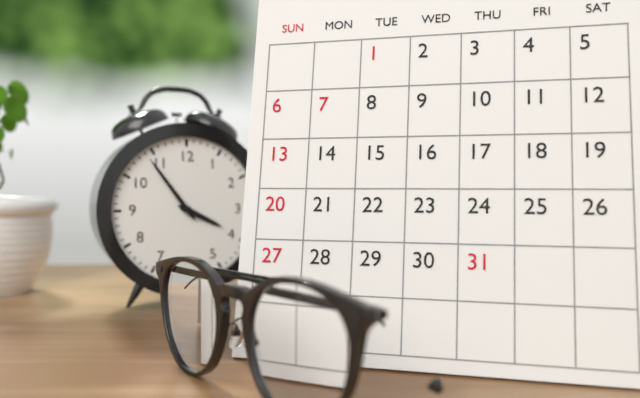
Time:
{"hour": 3, "minute": 54}
